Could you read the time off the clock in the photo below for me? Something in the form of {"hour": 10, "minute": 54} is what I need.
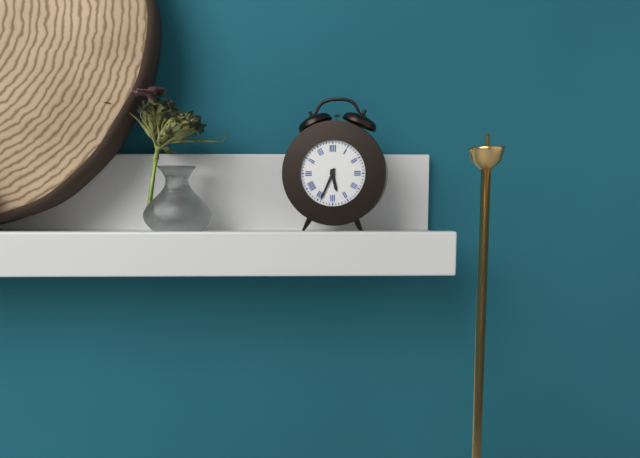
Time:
{"hour": 5, "minute": 34}
